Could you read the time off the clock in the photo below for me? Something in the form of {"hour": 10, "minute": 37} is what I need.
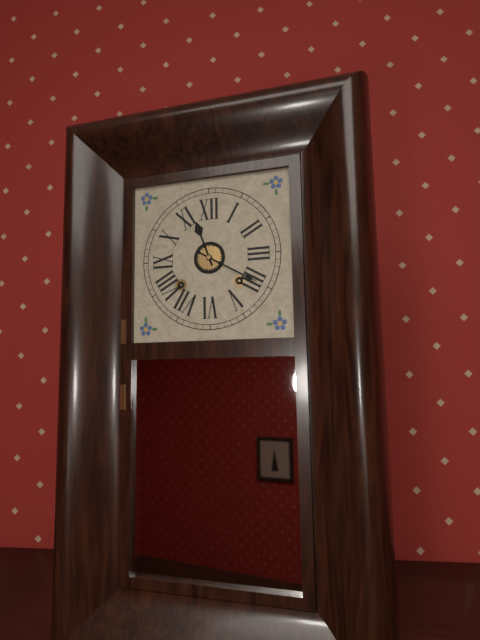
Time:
{"hour": 11, "minute": 20}
